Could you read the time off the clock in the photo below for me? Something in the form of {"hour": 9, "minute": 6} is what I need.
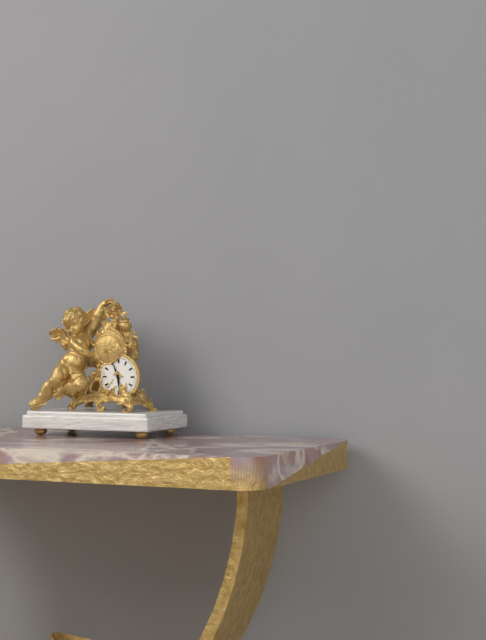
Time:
{"hour": 5, "minute": 56}
